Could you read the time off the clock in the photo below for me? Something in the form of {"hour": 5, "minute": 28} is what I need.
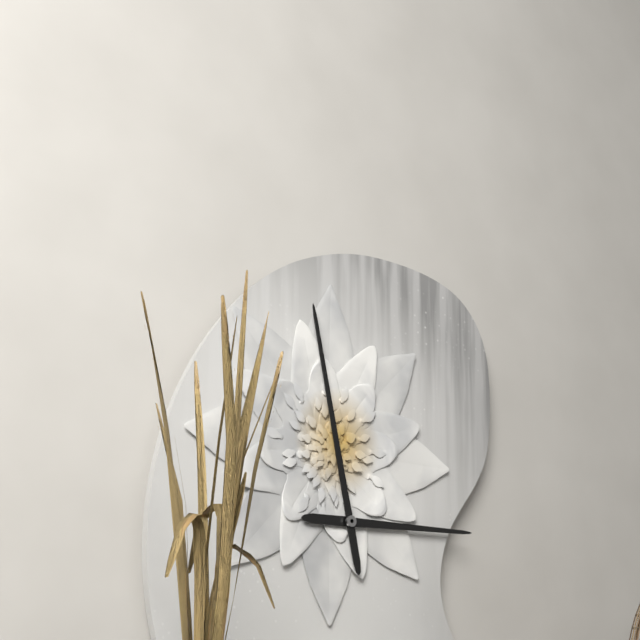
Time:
{"hour": 2, "minute": 58}
